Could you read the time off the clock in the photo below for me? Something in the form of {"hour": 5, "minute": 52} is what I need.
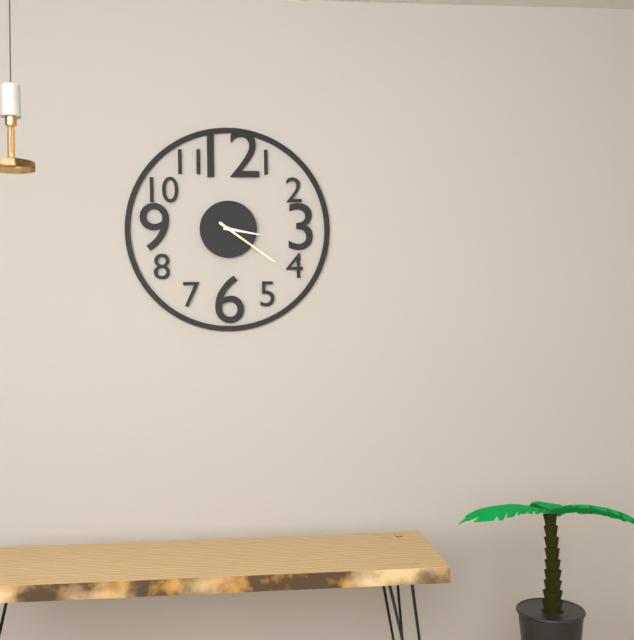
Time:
{"hour": 3, "minute": 21}
